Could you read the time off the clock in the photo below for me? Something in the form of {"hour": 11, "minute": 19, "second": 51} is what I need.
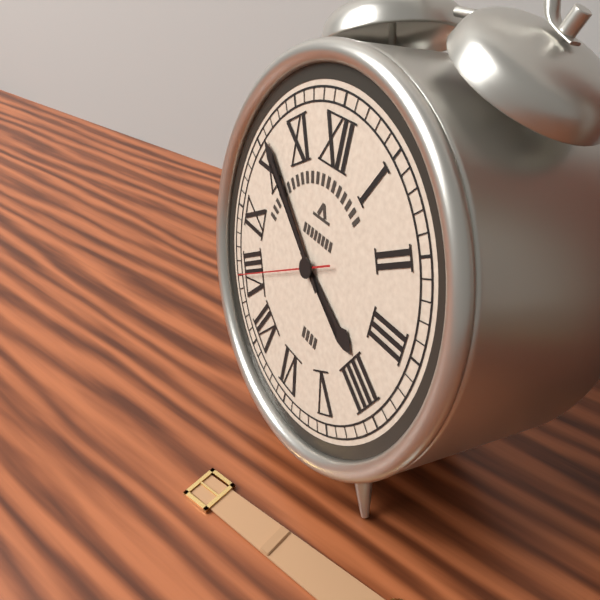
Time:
{"hour": 3, "minute": 51, "second": 40}
